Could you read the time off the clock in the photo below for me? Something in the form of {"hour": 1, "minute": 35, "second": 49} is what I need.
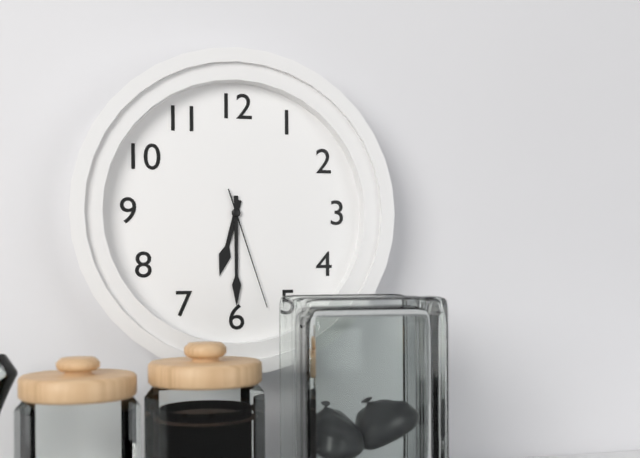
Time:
{"hour": 6, "minute": 30, "second": 27}
